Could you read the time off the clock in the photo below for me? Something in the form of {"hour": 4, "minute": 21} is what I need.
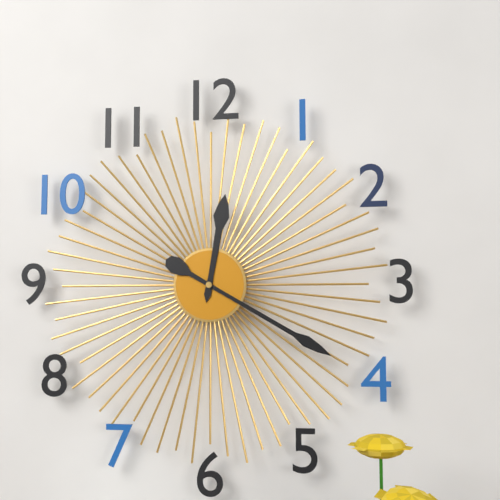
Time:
{"hour": 12, "minute": 20}
